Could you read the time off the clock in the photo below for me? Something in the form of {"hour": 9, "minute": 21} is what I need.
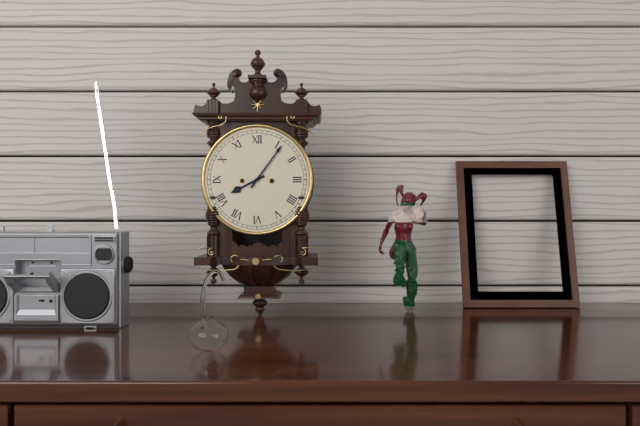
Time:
{"hour": 8, "minute": 6}
